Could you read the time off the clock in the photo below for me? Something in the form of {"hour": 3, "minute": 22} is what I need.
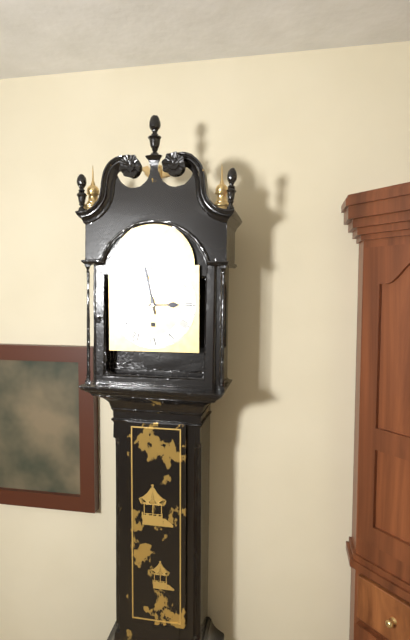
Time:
{"hour": 2, "minute": 58}
